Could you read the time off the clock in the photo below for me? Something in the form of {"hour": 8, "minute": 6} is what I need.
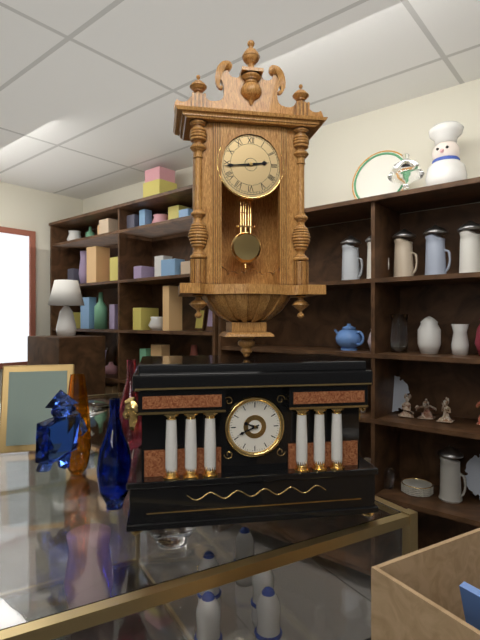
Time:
{"hour": 2, "minute": 44}
